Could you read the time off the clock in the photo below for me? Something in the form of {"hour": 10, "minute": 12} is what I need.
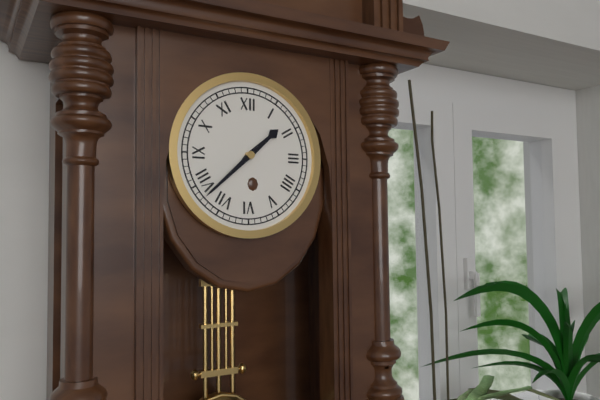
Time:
{"hour": 1, "minute": 38}
